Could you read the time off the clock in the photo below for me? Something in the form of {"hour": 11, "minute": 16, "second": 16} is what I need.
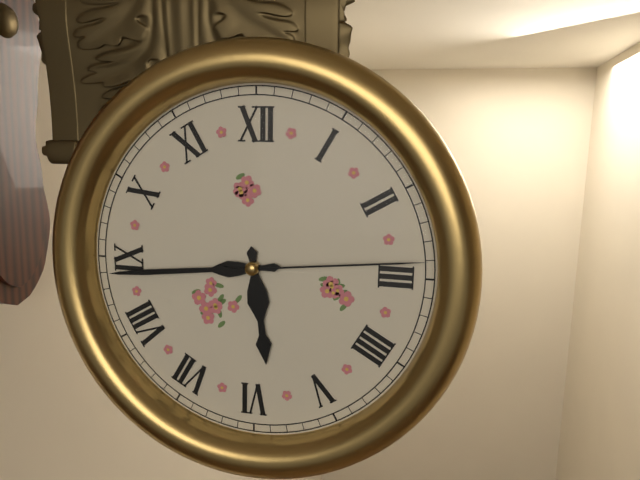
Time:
{"hour": 5, "minute": 44, "second": 14}
